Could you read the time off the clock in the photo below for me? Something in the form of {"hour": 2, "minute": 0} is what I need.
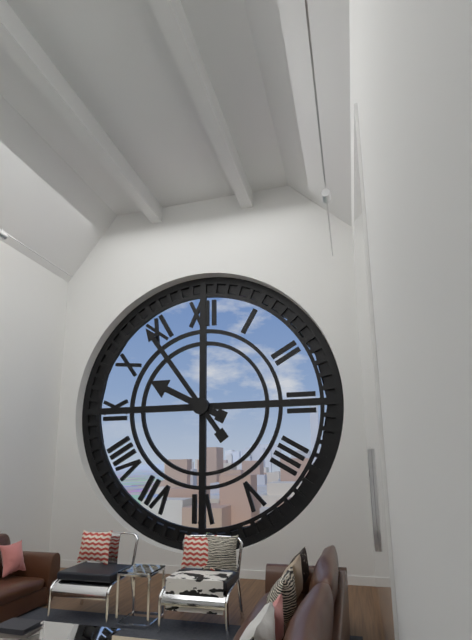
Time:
{"hour": 9, "minute": 54}
